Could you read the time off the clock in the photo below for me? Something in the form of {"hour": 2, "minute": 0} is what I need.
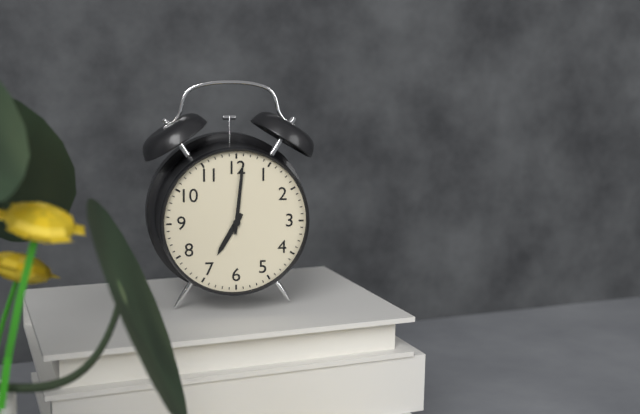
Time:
{"hour": 7, "minute": 1}
